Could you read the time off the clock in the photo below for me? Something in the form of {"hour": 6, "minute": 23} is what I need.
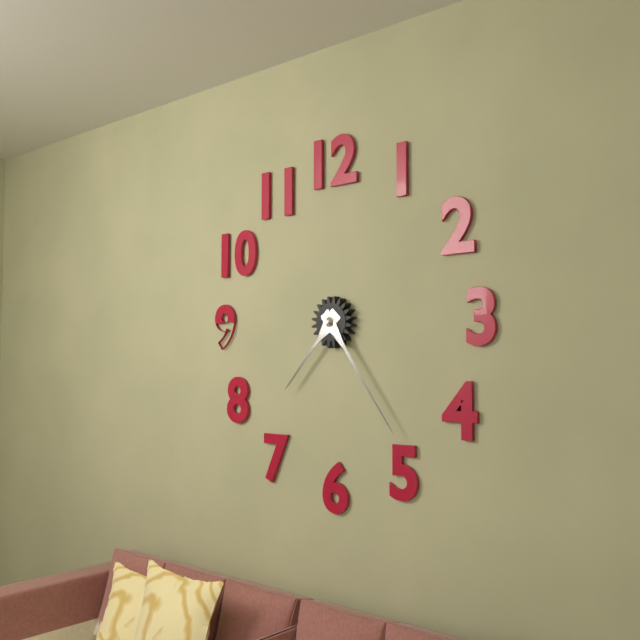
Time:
{"hour": 7, "minute": 24}
